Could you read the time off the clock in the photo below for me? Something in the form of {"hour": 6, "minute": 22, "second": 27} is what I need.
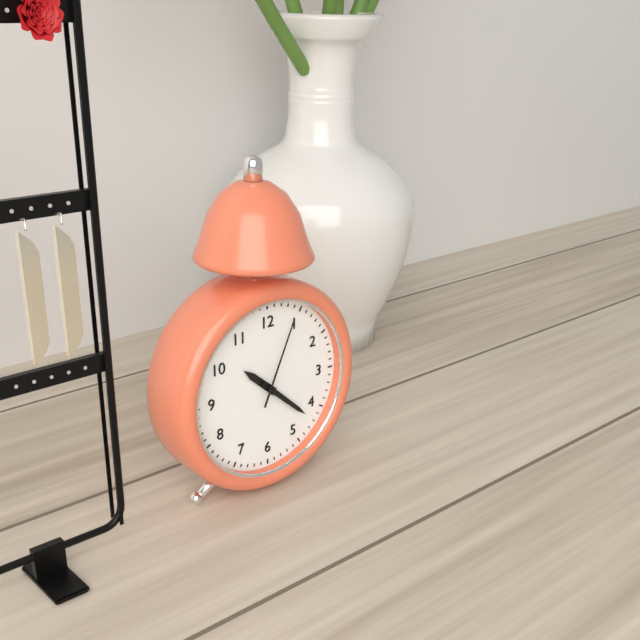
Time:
{"hour": 10, "minute": 22, "second": 4}
